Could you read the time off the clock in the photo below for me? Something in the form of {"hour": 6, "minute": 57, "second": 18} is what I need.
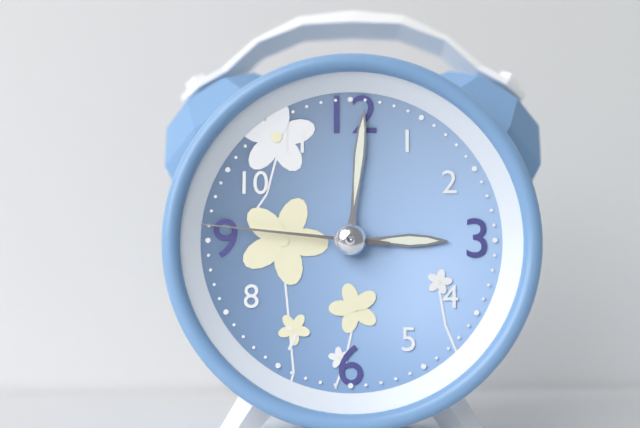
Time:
{"hour": 3, "minute": 1, "second": 46}
